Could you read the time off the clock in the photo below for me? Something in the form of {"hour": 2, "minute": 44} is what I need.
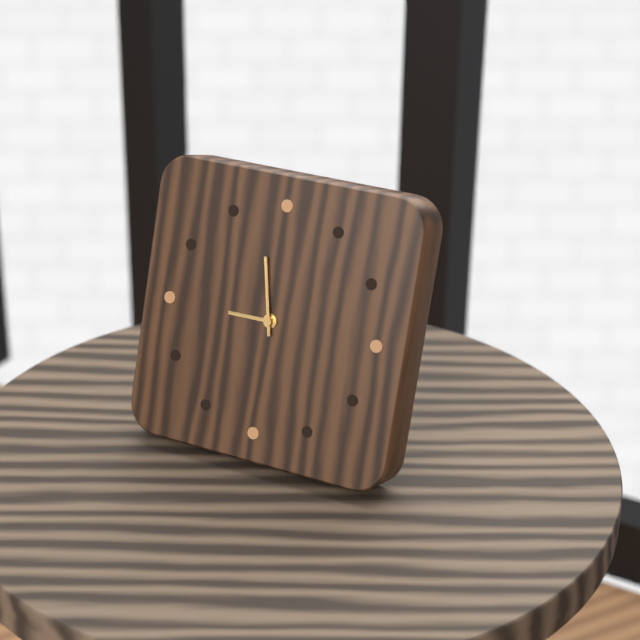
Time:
{"hour": 8, "minute": 58}
